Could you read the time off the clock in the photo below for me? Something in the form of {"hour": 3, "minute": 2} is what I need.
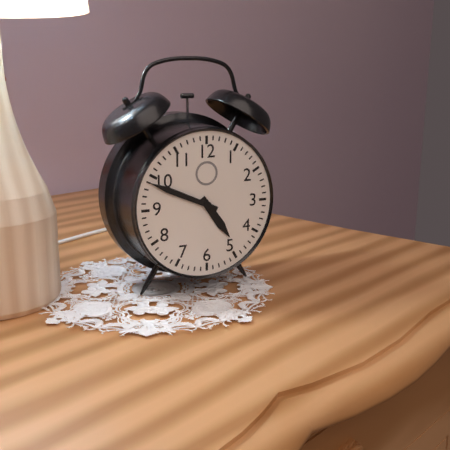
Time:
{"hour": 4, "minute": 49}
